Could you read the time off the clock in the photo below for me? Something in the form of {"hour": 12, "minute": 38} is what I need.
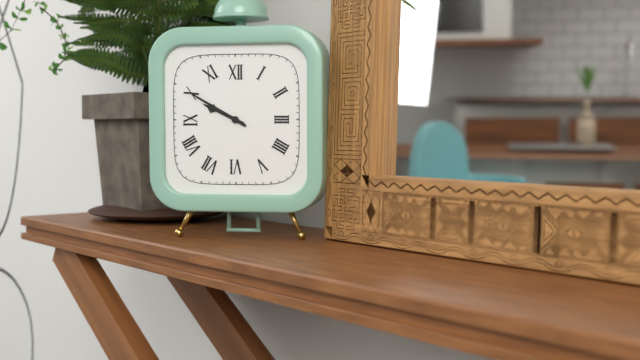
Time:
{"hour": 9, "minute": 50}
